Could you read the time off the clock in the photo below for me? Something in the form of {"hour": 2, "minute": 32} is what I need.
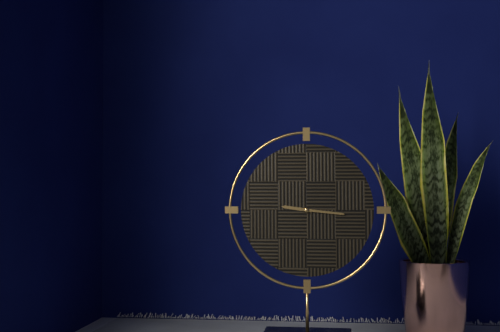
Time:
{"hour": 9, "minute": 16}
